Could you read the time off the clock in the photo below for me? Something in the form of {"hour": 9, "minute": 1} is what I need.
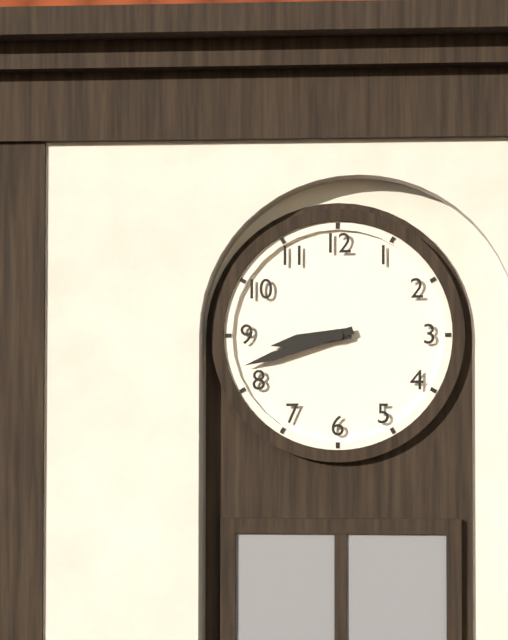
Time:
{"hour": 8, "minute": 42}
